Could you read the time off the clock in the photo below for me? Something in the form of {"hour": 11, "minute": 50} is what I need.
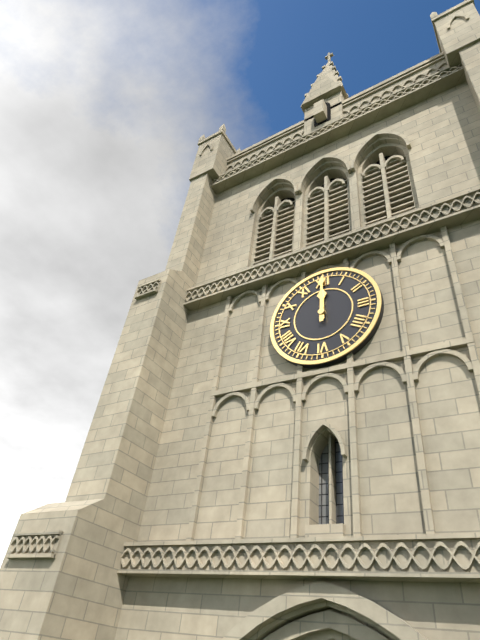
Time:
{"hour": 12, "minute": 0}
